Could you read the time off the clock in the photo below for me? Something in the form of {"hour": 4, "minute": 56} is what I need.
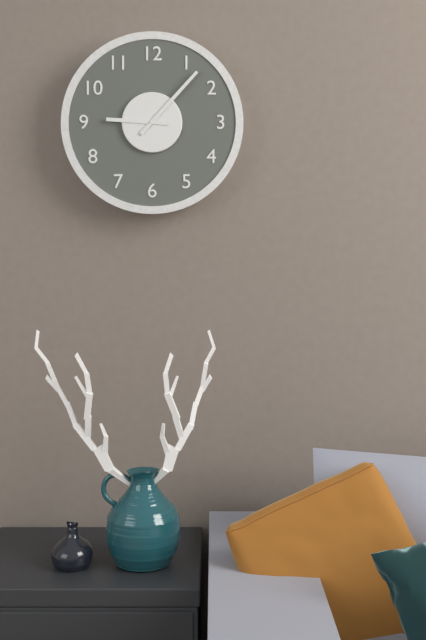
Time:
{"hour": 9, "minute": 7}
